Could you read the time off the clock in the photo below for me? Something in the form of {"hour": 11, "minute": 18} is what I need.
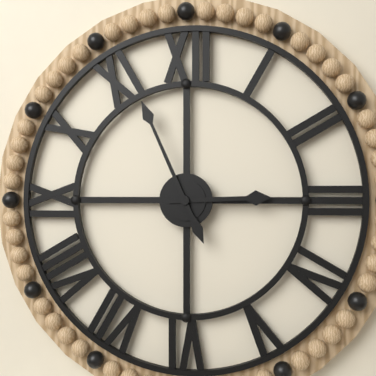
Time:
{"hour": 2, "minute": 56}
